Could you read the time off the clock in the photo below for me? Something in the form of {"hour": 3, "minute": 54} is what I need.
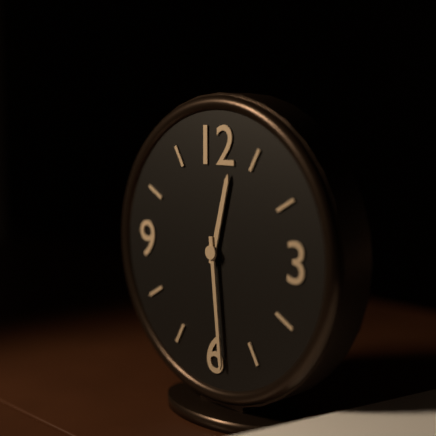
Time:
{"hour": 12, "minute": 29}
